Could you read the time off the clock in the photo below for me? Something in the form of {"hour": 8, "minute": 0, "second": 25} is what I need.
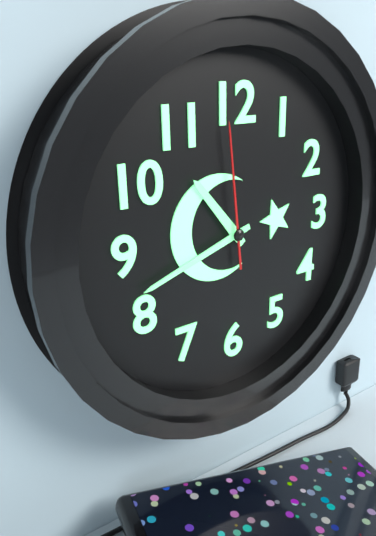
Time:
{"hour": 10, "minute": 42, "second": 59}
